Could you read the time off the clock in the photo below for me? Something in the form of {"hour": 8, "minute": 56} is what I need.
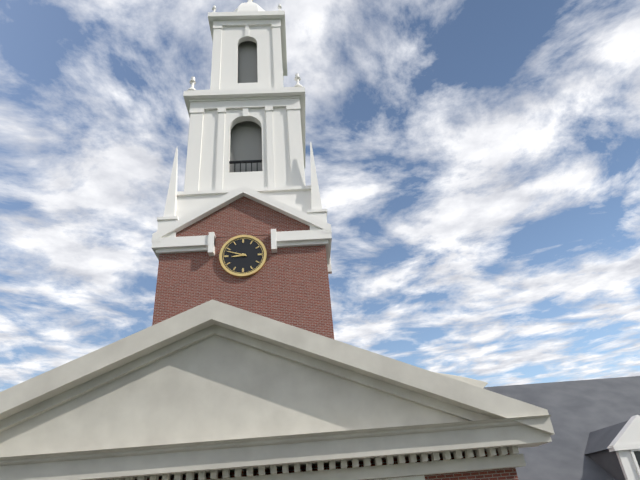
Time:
{"hour": 8, "minute": 48}
